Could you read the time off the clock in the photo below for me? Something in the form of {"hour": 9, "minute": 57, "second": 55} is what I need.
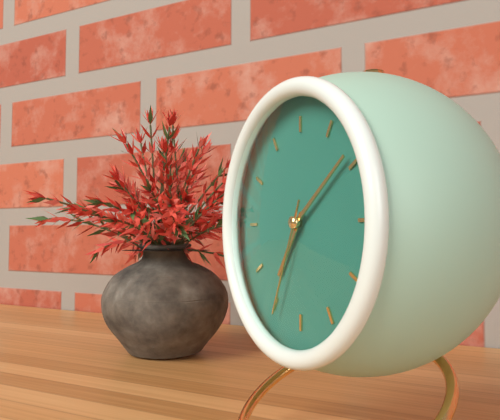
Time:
{"hour": 7, "minute": 9, "second": 34}
